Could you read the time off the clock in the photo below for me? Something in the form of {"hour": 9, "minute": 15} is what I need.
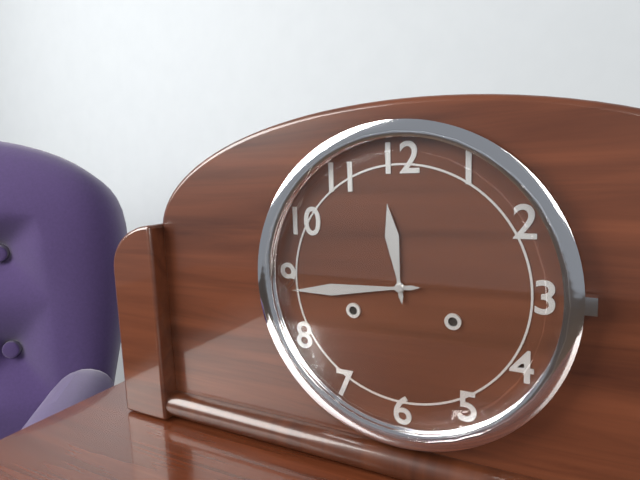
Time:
{"hour": 11, "minute": 44}
